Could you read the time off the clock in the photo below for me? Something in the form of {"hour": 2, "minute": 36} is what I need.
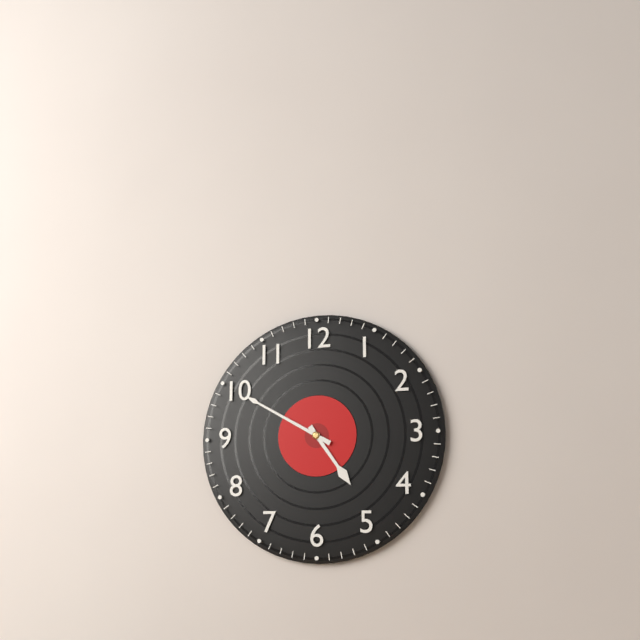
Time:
{"hour": 4, "minute": 50}
